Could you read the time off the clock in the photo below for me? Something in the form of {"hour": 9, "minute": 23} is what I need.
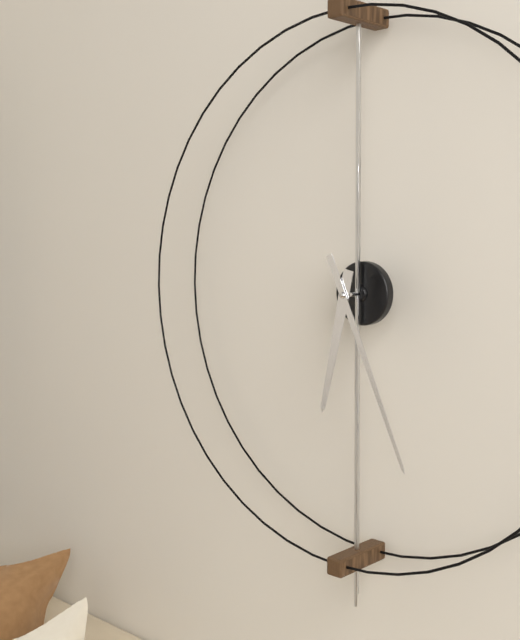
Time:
{"hour": 6, "minute": 26}
